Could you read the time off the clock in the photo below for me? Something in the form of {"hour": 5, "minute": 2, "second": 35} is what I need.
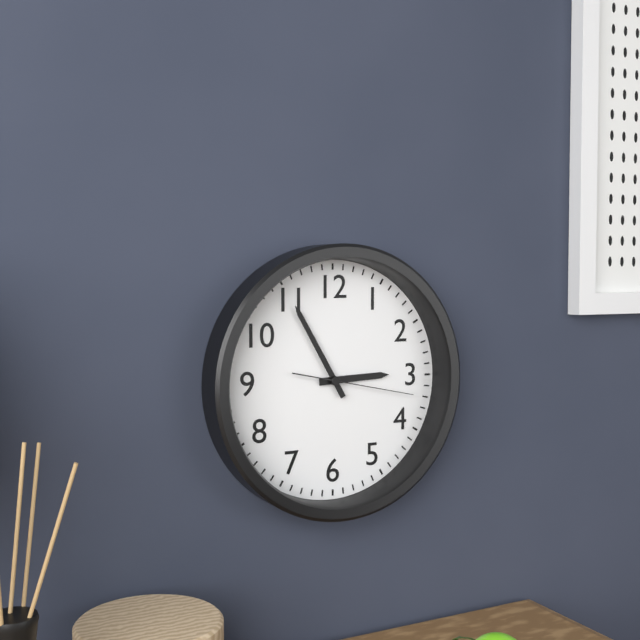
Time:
{"hour": 2, "minute": 55, "second": 17}
